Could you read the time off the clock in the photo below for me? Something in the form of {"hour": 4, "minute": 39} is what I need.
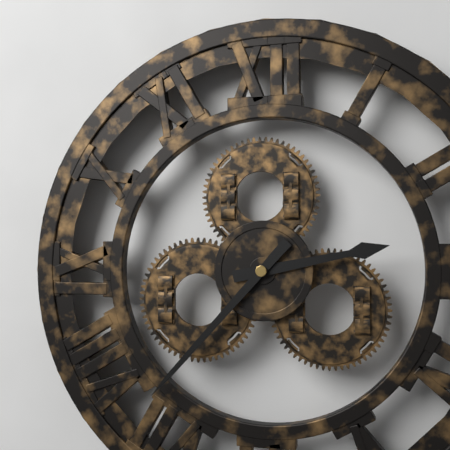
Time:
{"hour": 2, "minute": 37}
